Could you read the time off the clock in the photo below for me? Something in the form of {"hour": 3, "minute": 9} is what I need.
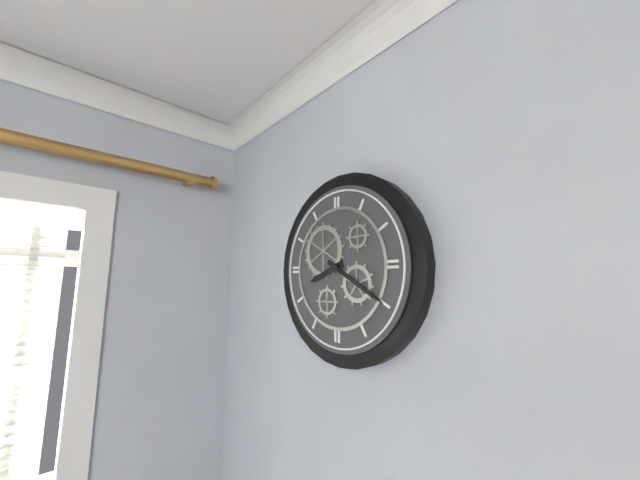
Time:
{"hour": 8, "minute": 20}
